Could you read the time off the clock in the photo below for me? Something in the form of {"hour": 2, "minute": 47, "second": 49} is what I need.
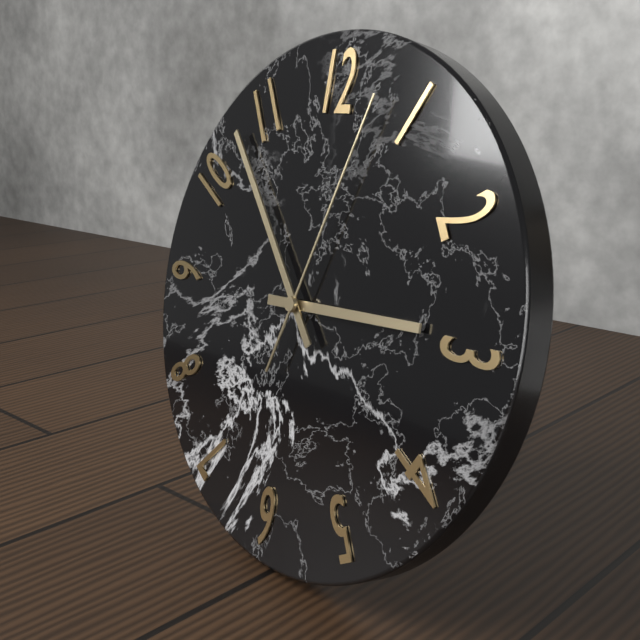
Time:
{"hour": 2, "minute": 53, "second": 3}
